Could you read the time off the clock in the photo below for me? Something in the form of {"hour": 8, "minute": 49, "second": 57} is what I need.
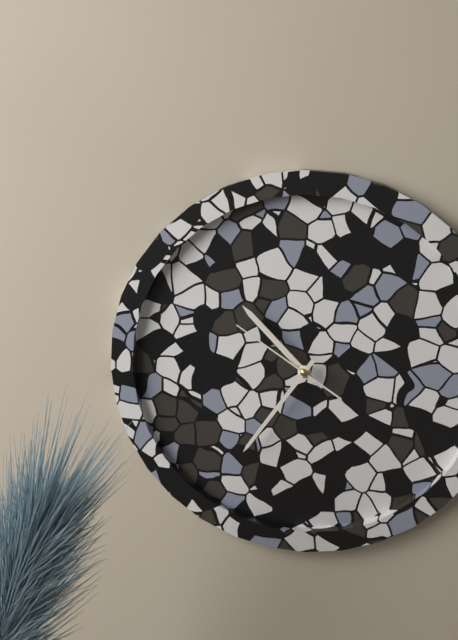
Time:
{"hour": 10, "minute": 36, "second": 51}
